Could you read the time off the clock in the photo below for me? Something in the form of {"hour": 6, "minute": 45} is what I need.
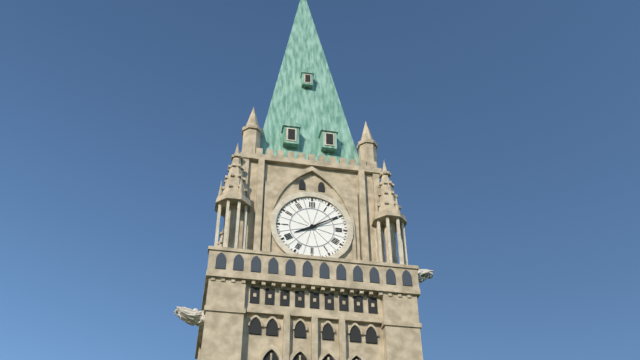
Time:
{"hour": 8, "minute": 10}
